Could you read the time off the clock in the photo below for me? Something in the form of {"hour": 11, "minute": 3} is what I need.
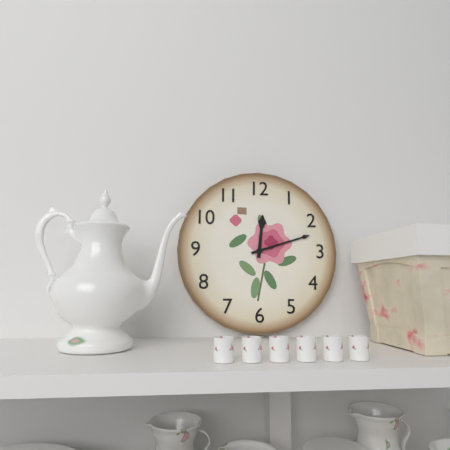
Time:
{"hour": 12, "minute": 12}
